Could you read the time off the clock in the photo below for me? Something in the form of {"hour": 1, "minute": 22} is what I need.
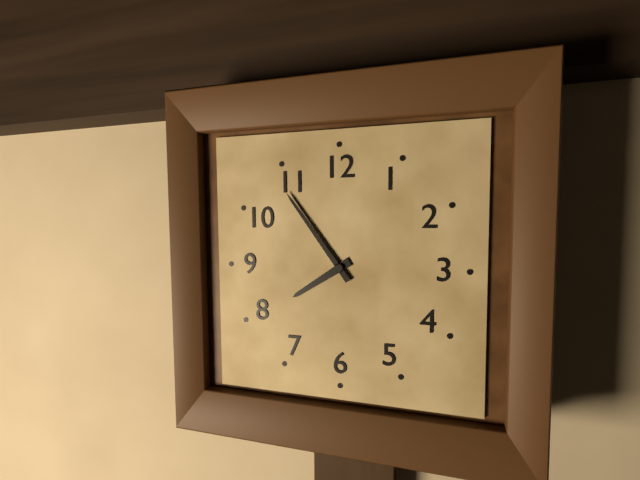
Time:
{"hour": 7, "minute": 54}
